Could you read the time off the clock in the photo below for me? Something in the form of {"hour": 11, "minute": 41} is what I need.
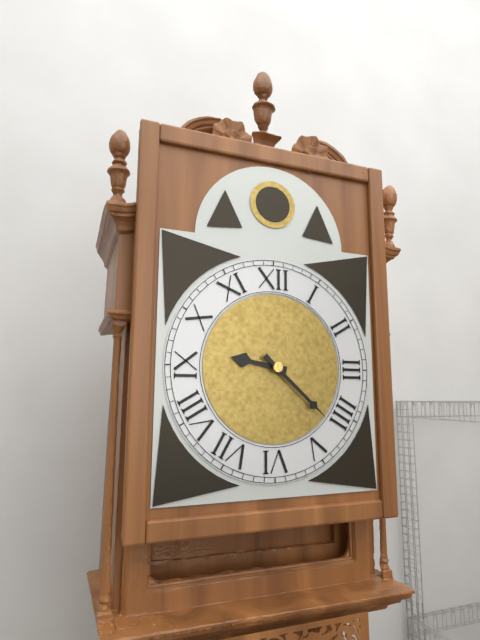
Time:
{"hour": 9, "minute": 22}
